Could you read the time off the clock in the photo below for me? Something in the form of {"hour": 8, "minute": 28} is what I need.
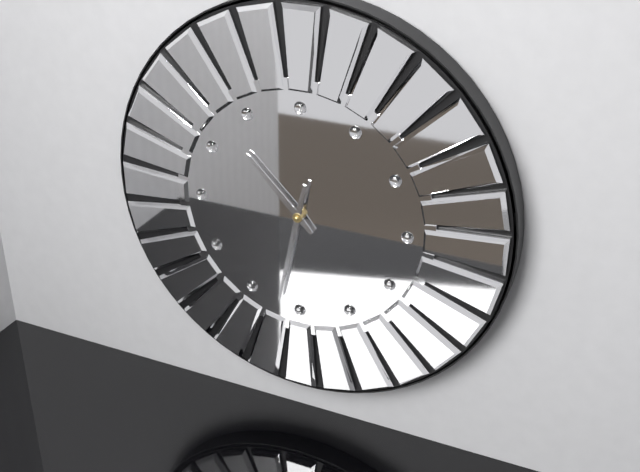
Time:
{"hour": 10, "minute": 32}
